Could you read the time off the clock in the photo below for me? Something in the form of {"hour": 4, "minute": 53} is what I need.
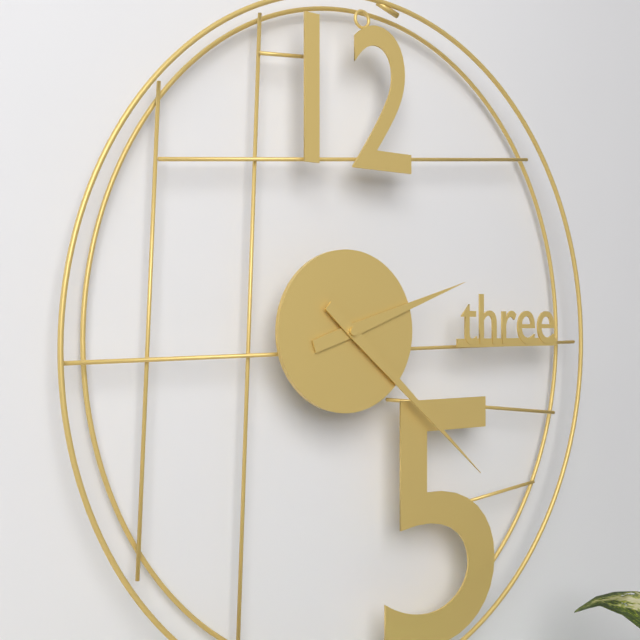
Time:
{"hour": 2, "minute": 22}
